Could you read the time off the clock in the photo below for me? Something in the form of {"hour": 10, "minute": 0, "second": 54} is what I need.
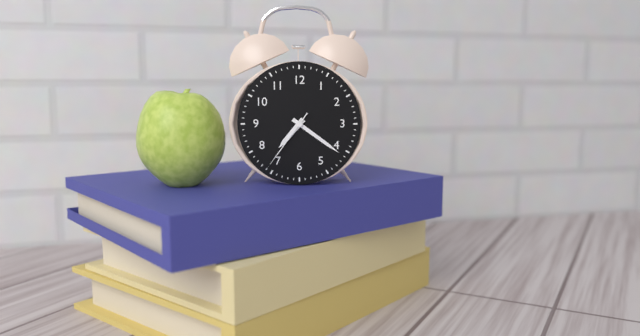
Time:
{"hour": 7, "minute": 21, "second": 36}
